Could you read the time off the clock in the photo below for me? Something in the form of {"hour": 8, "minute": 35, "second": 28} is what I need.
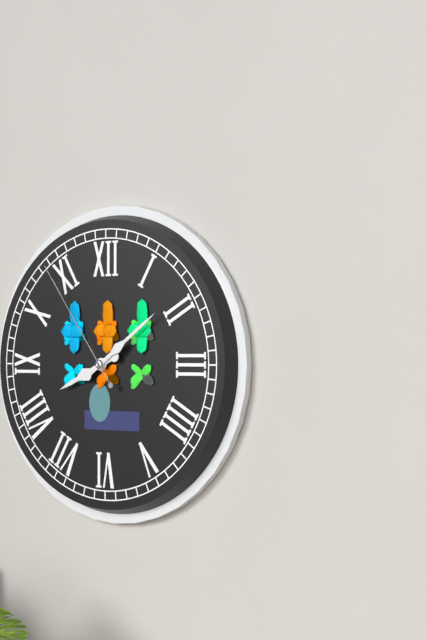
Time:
{"hour": 8, "minute": 9, "second": 54}
